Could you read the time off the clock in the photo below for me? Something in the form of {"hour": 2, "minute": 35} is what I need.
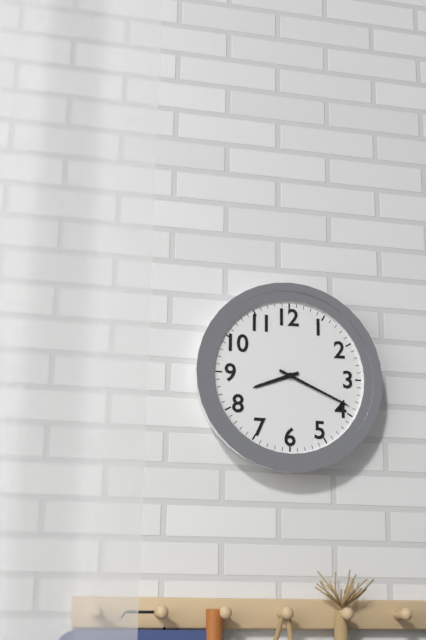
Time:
{"hour": 8, "minute": 19}
